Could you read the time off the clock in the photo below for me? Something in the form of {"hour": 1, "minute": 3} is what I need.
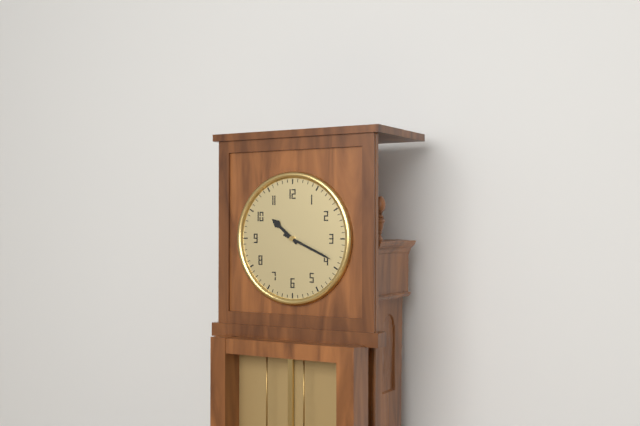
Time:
{"hour": 10, "minute": 19}
